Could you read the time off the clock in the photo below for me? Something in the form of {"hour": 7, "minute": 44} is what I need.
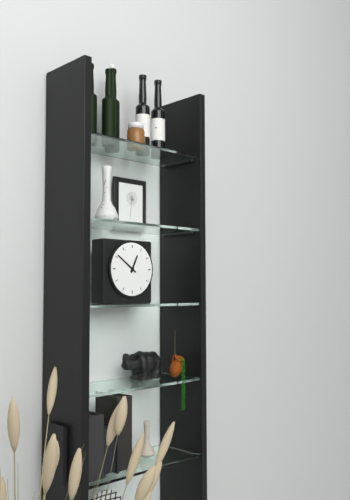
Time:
{"hour": 12, "minute": 51}
